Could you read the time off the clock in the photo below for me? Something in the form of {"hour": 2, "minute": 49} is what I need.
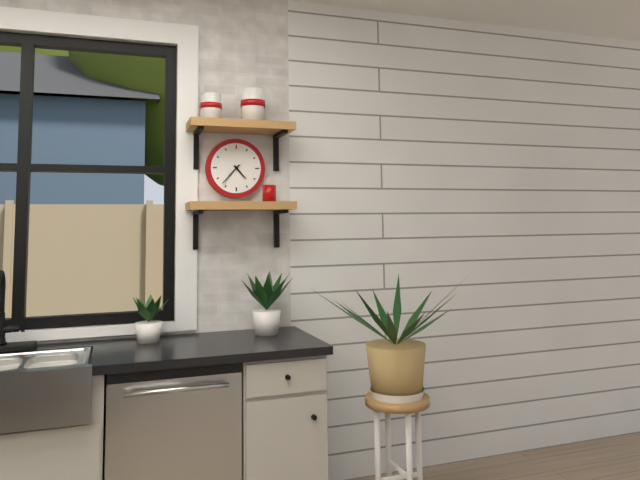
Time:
{"hour": 4, "minute": 37}
